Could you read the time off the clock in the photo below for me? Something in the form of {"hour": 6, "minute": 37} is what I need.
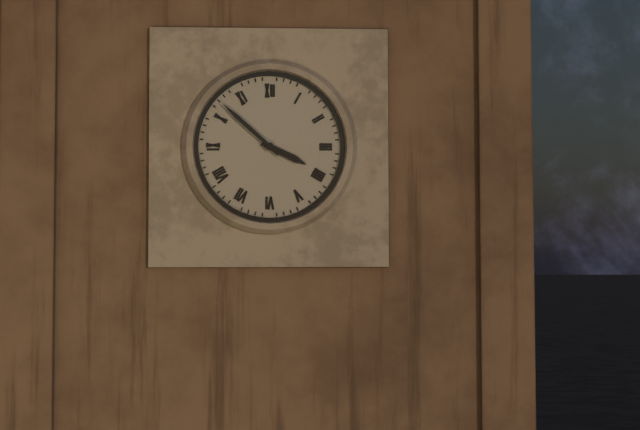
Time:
{"hour": 3, "minute": 52}
